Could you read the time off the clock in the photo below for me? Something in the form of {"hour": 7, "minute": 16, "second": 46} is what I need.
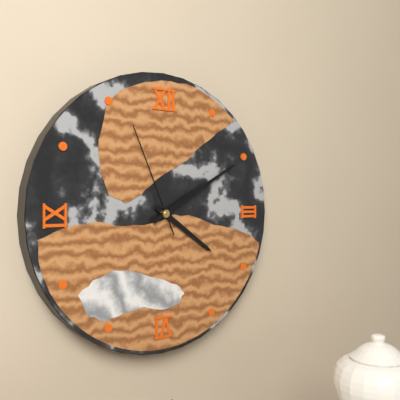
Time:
{"hour": 4, "minute": 10, "second": 56}
